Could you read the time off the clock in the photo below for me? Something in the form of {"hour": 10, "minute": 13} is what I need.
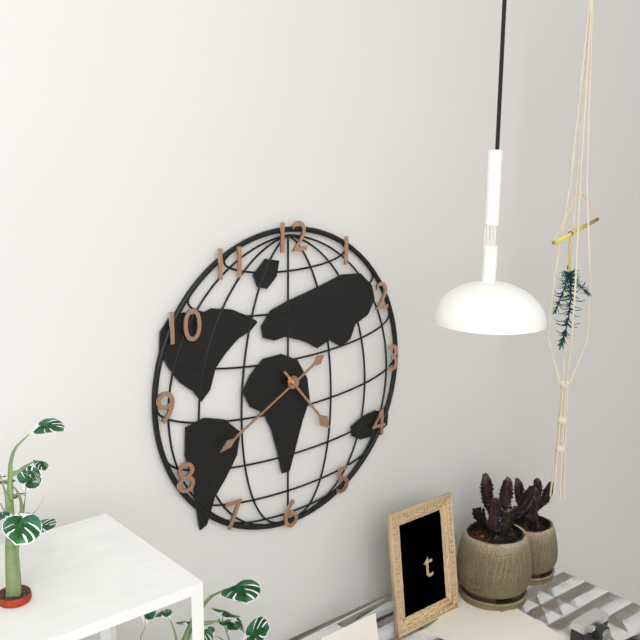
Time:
{"hour": 4, "minute": 40}
